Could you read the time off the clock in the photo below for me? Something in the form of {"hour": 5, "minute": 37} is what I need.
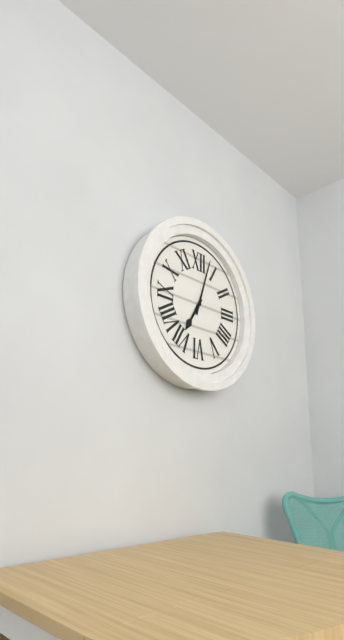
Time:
{"hour": 7, "minute": 3}
